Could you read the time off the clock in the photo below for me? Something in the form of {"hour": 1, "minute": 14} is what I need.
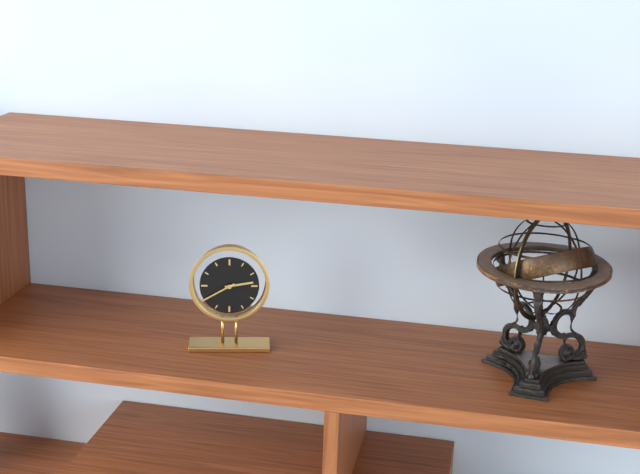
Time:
{"hour": 2, "minute": 40}
